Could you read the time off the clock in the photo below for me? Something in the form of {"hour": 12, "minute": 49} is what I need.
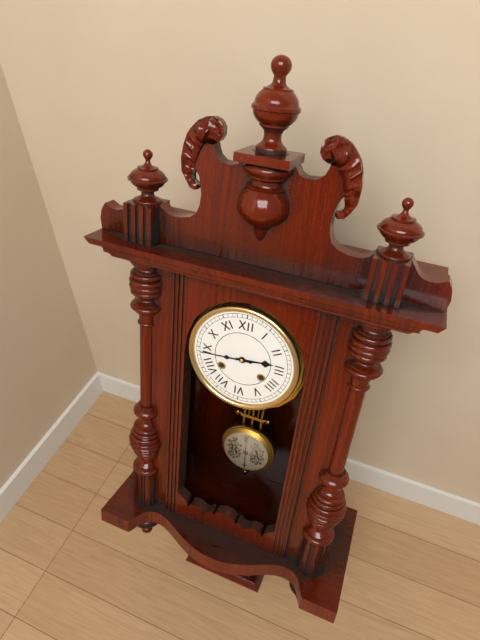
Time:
{"hour": 2, "minute": 44}
